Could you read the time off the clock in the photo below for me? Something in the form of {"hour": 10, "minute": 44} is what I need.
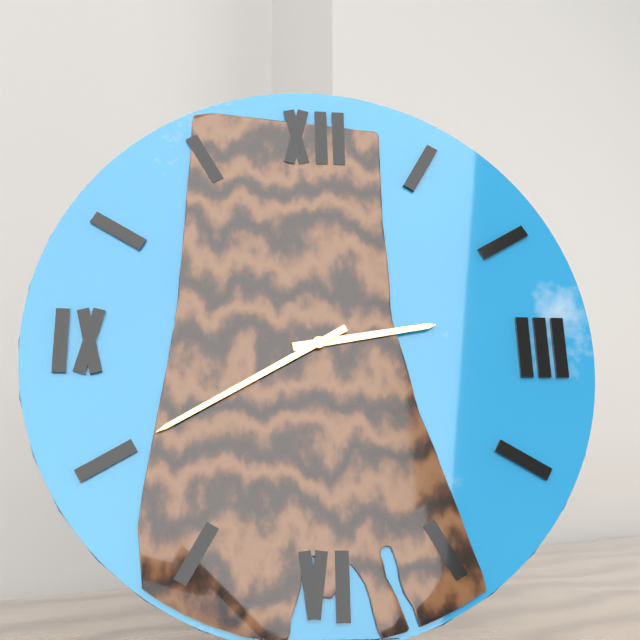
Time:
{"hour": 2, "minute": 40}
